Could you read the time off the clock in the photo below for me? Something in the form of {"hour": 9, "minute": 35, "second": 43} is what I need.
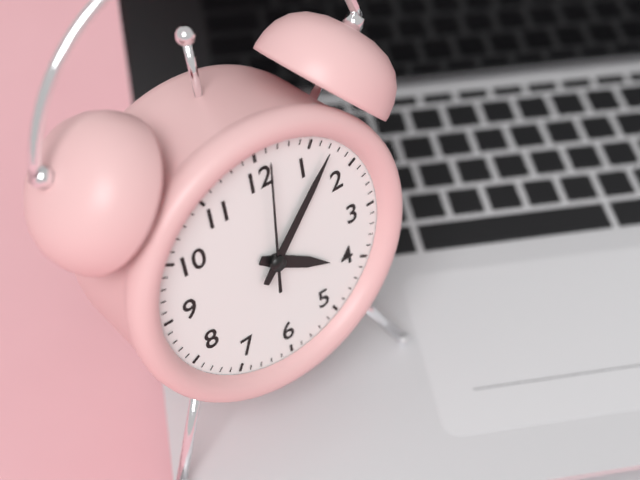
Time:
{"hour": 4, "minute": 7, "second": 1}
